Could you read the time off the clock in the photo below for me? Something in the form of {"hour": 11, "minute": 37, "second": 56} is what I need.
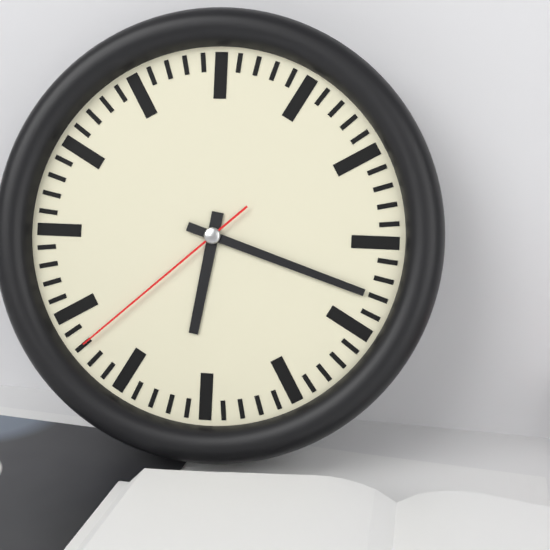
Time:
{"hour": 6, "minute": 18, "second": 38}
